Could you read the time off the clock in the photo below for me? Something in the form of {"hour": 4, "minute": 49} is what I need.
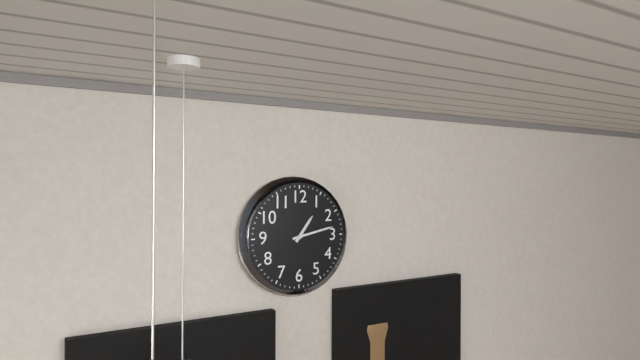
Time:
{"hour": 1, "minute": 13}
